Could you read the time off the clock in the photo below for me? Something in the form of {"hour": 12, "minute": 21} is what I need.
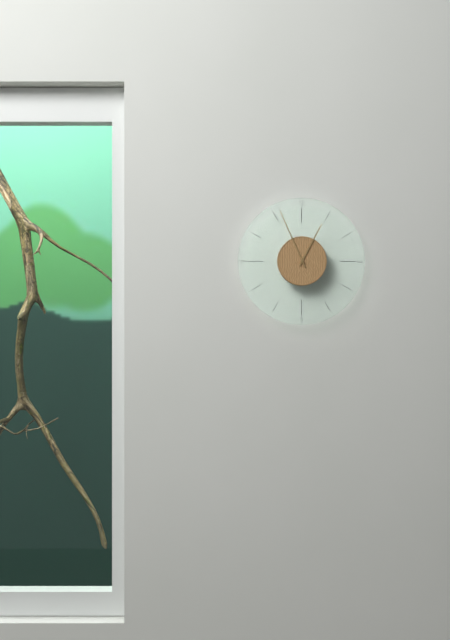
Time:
{"hour": 12, "minute": 56}
